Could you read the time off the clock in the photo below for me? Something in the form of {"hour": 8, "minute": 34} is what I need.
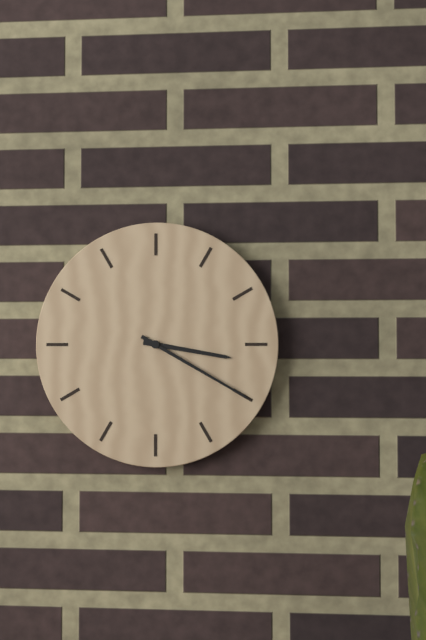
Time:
{"hour": 3, "minute": 20}
